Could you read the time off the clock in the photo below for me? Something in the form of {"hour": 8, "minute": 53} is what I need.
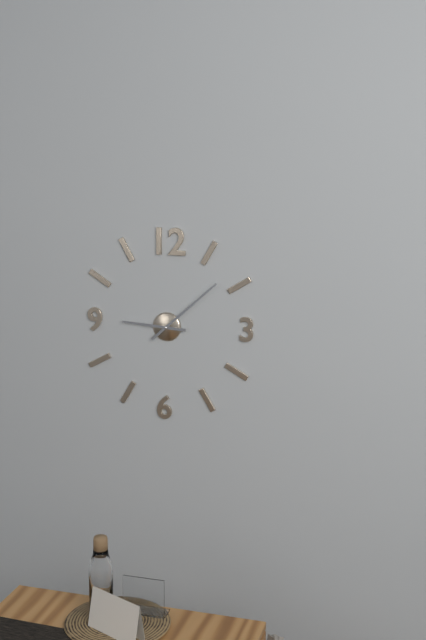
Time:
{"hour": 9, "minute": 8}
